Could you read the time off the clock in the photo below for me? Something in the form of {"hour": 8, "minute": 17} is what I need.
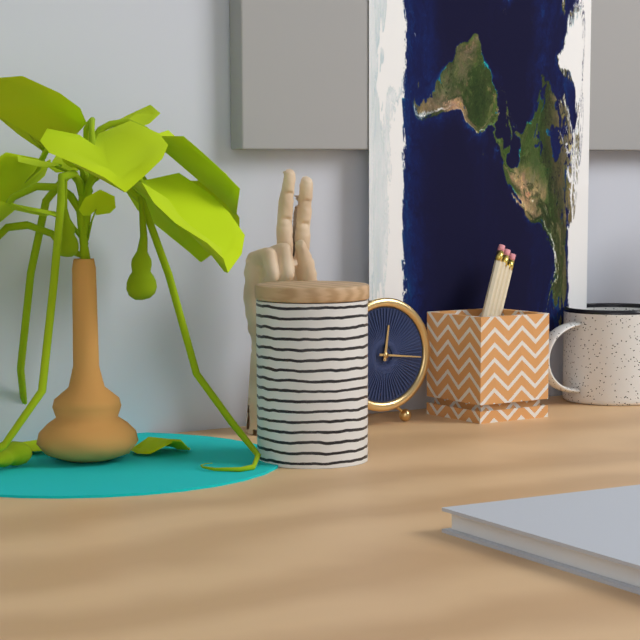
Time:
{"hour": 12, "minute": 16}
